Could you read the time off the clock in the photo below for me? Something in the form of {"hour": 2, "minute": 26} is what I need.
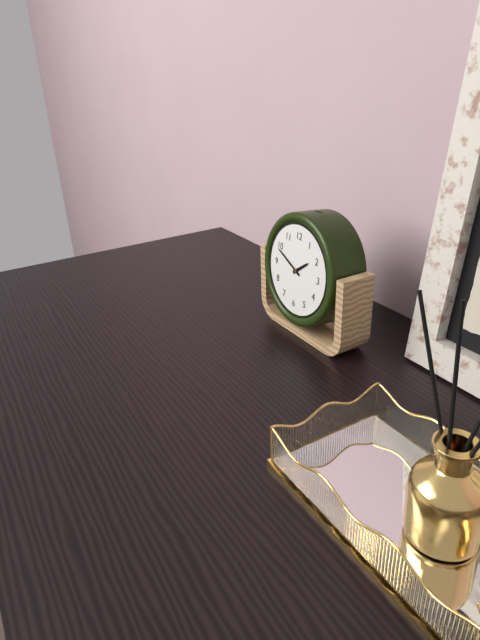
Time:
{"hour": 1, "minute": 49}
